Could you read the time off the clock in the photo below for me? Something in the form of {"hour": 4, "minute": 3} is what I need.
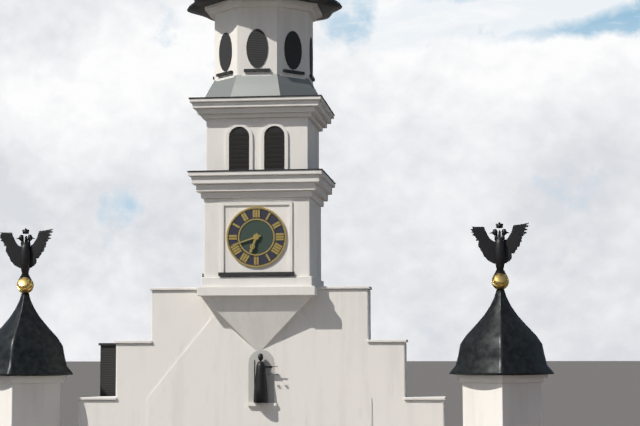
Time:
{"hour": 6, "minute": 42}
